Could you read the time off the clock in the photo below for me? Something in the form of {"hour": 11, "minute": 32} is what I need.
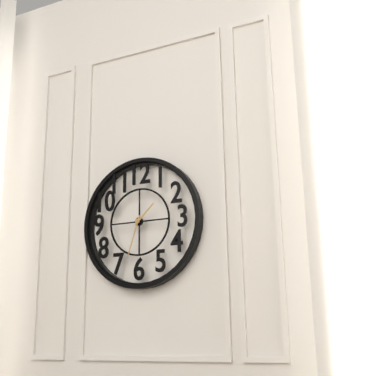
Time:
{"hour": 1, "minute": 33}
